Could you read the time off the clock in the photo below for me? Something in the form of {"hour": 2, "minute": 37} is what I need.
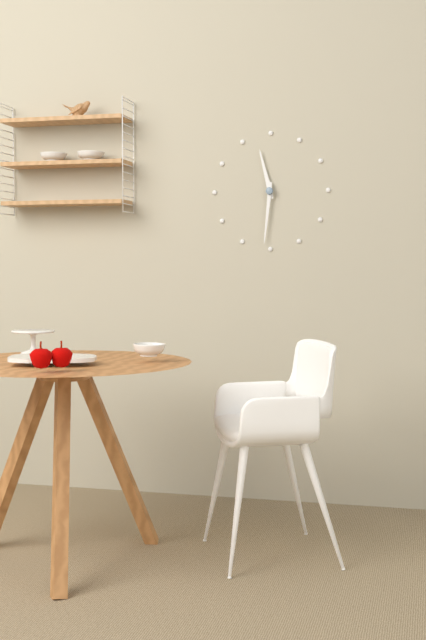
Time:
{"hour": 11, "minute": 31}
